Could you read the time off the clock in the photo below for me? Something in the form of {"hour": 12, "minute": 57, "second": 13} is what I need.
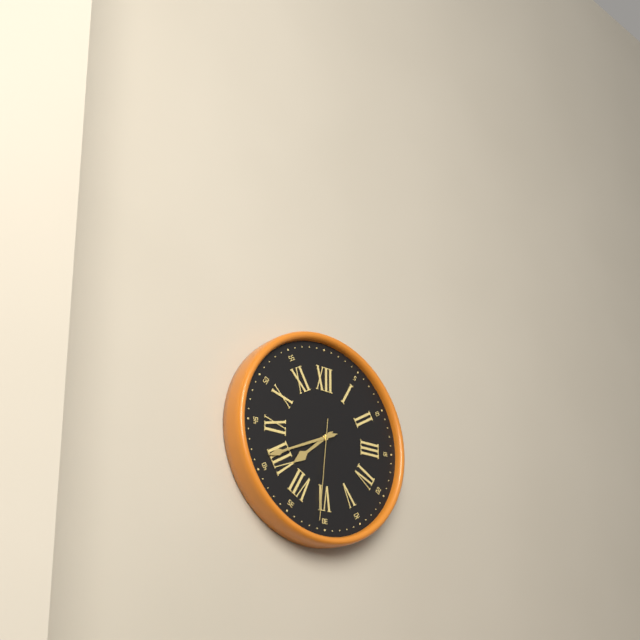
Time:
{"hour": 7, "minute": 41, "second": 31}
